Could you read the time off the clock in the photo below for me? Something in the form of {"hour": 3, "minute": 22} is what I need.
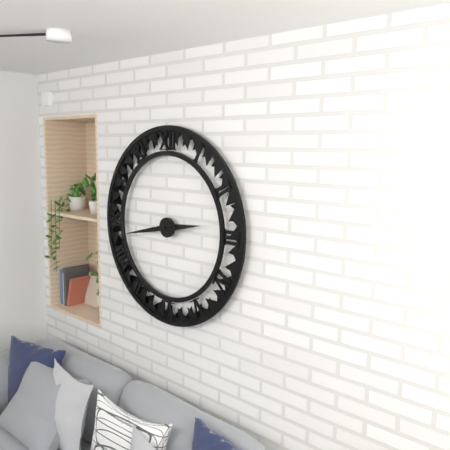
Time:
{"hour": 2, "minute": 43}
